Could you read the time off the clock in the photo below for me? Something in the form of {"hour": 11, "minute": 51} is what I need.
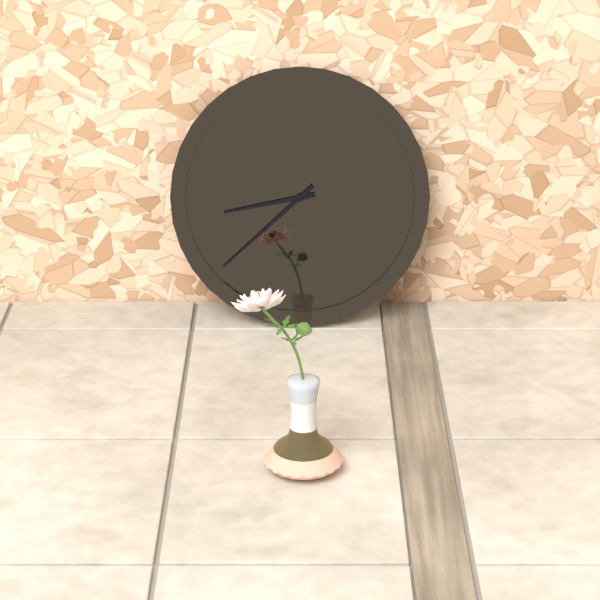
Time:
{"hour": 8, "minute": 38}
